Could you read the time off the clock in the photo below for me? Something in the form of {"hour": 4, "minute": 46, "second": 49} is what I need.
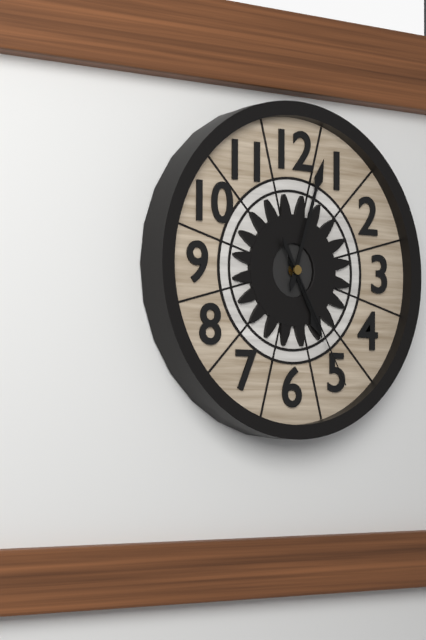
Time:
{"hour": 5, "minute": 3, "second": 25}
